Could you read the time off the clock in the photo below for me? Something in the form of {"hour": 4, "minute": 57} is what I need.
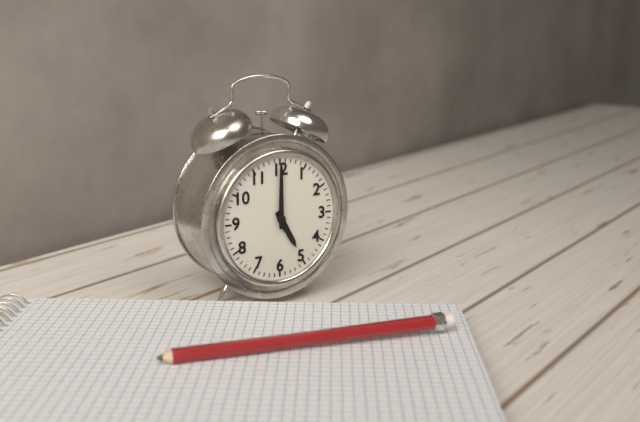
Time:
{"hour": 5, "minute": 0}
